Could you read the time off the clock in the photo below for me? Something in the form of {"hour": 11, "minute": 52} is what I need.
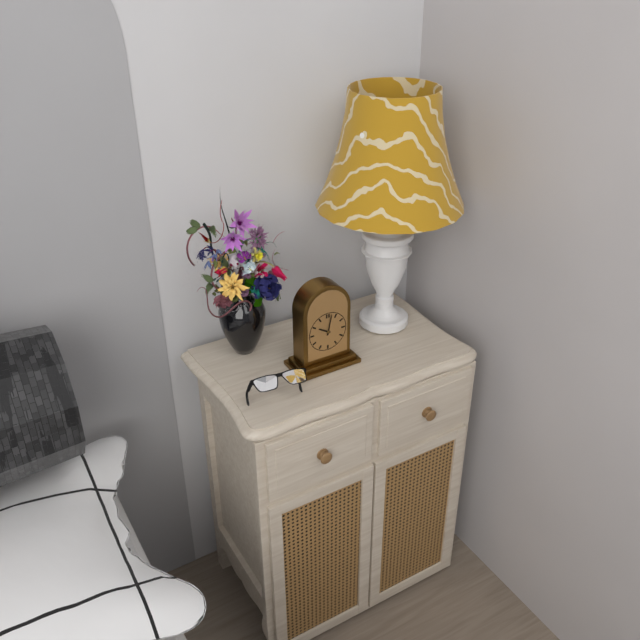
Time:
{"hour": 10, "minute": 2}
